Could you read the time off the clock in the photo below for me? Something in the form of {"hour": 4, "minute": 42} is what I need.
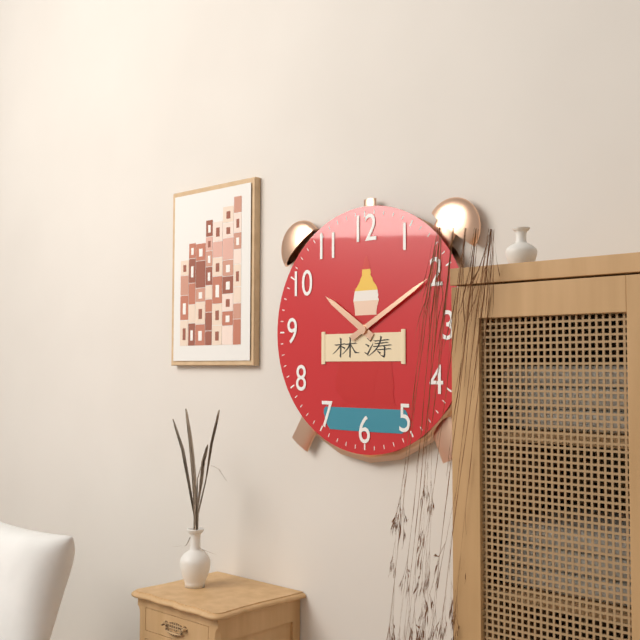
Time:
{"hour": 10, "minute": 10}
